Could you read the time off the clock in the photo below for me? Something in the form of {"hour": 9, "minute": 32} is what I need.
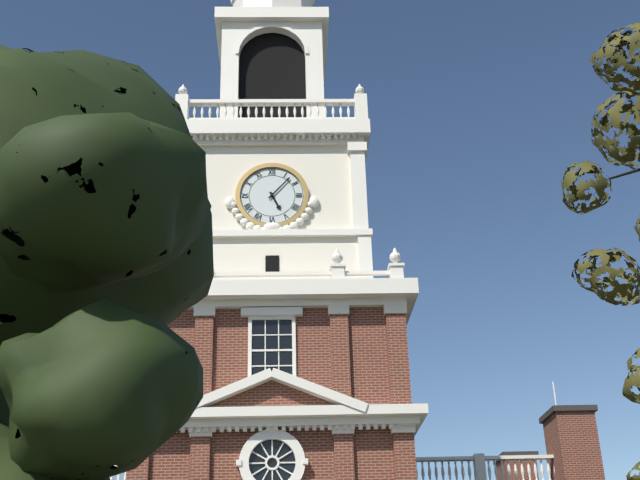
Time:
{"hour": 5, "minute": 7}
